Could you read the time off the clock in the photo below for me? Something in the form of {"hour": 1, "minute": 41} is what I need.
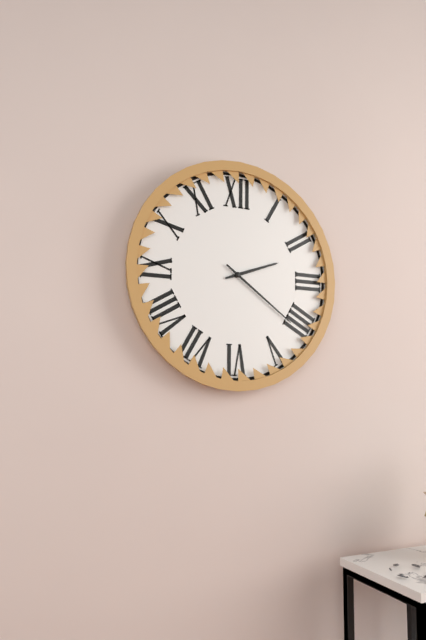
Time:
{"hour": 2, "minute": 21}
